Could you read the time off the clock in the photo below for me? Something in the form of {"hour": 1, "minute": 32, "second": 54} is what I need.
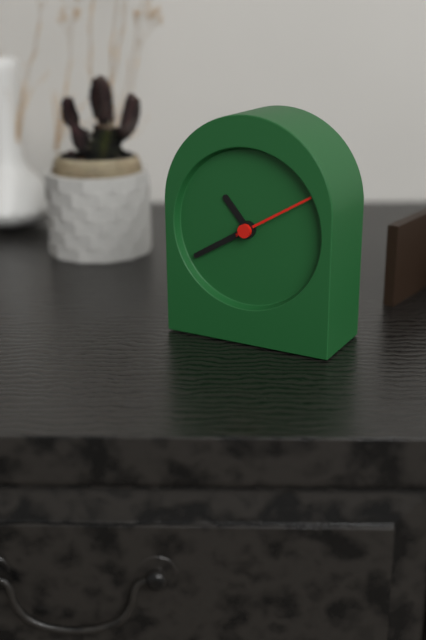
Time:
{"hour": 10, "minute": 40, "second": 10}
